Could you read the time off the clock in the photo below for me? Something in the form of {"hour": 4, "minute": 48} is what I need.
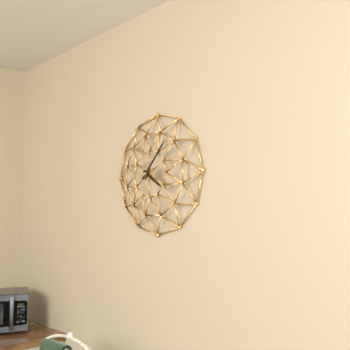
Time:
{"hour": 4, "minute": 7}
